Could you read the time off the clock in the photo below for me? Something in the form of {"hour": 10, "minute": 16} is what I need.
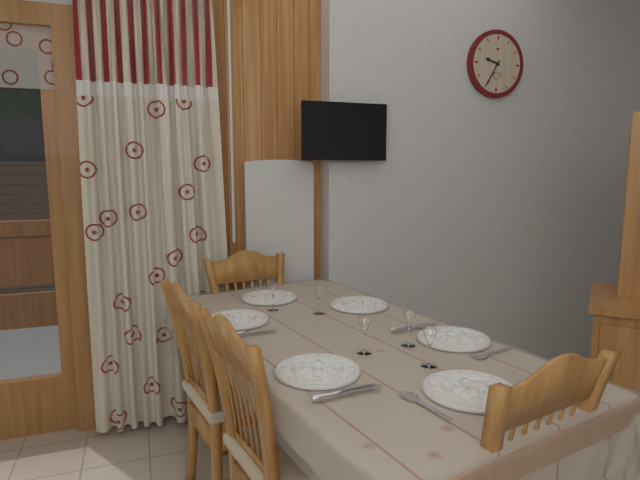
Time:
{"hour": 9, "minute": 35}
